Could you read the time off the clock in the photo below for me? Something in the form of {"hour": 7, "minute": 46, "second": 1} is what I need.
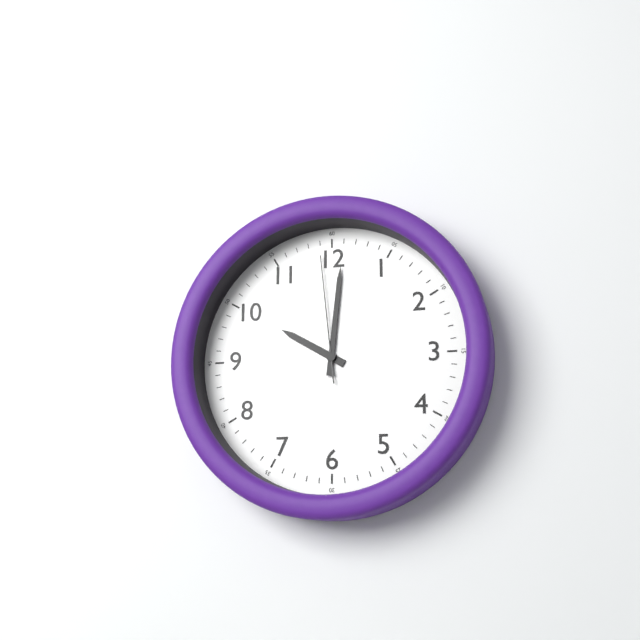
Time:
{"hour": 10, "minute": 1, "second": 59}
